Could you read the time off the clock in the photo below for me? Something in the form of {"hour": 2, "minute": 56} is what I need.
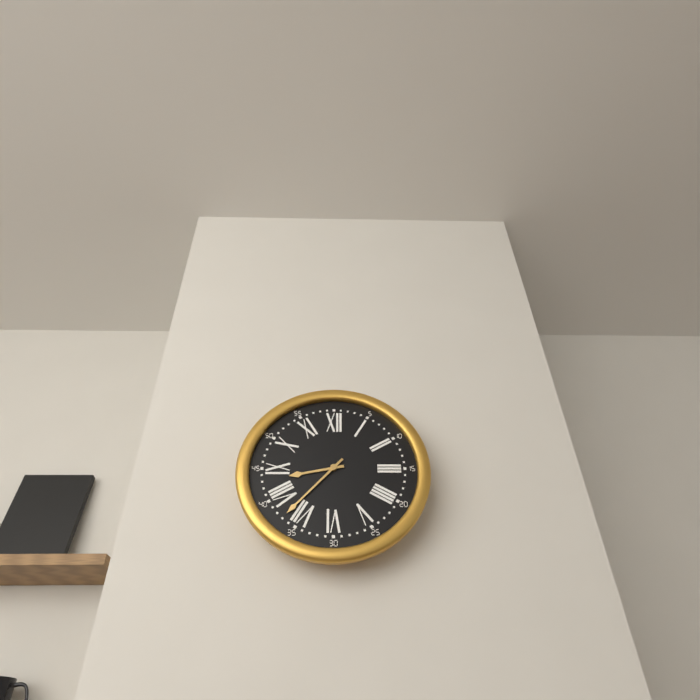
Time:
{"hour": 8, "minute": 37}
